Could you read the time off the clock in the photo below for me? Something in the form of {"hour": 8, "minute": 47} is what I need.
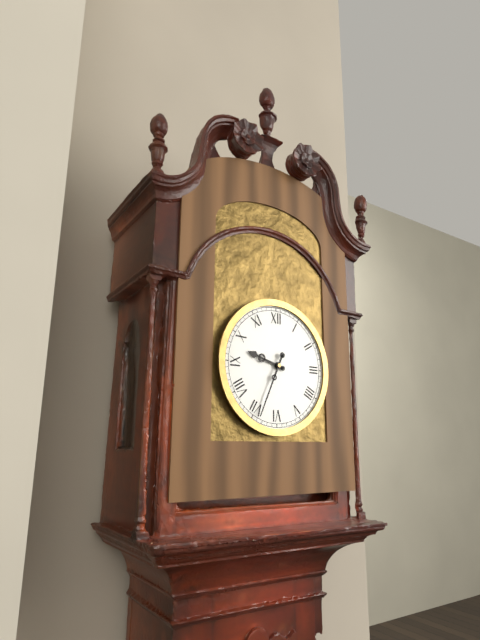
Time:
{"hour": 9, "minute": 34}
